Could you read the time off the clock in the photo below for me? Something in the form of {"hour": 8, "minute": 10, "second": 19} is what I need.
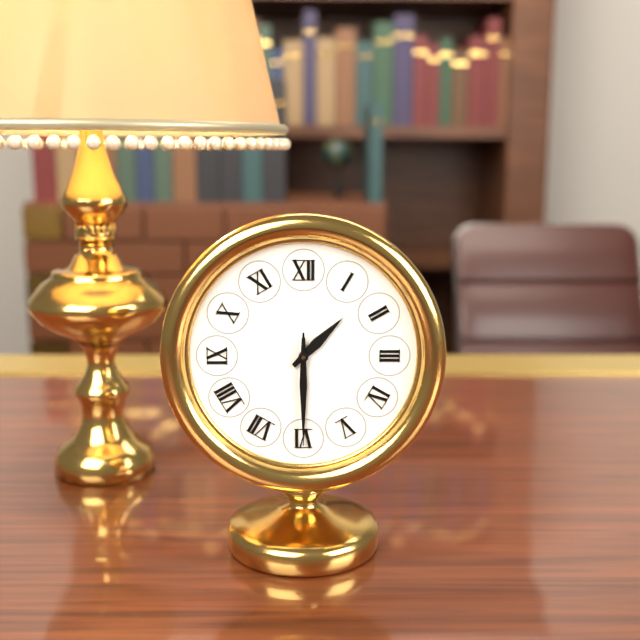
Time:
{"hour": 1, "minute": 30, "second": 30}
